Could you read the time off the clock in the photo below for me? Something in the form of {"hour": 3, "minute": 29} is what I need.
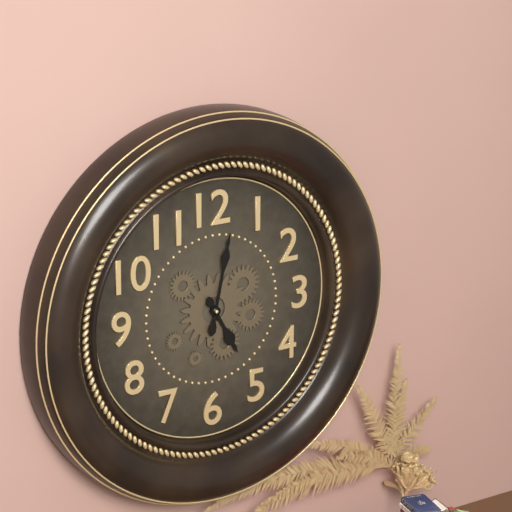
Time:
{"hour": 5, "minute": 2}
